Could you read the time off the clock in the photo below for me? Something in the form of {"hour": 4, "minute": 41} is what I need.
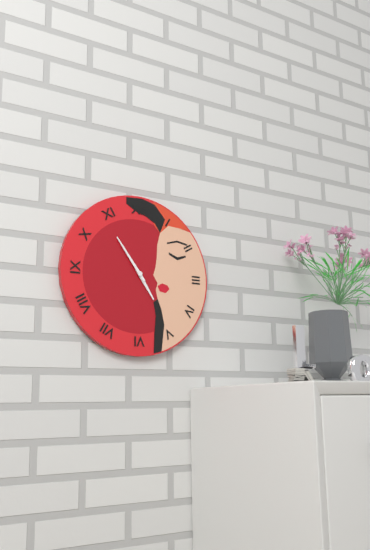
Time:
{"hour": 4, "minute": 54}
